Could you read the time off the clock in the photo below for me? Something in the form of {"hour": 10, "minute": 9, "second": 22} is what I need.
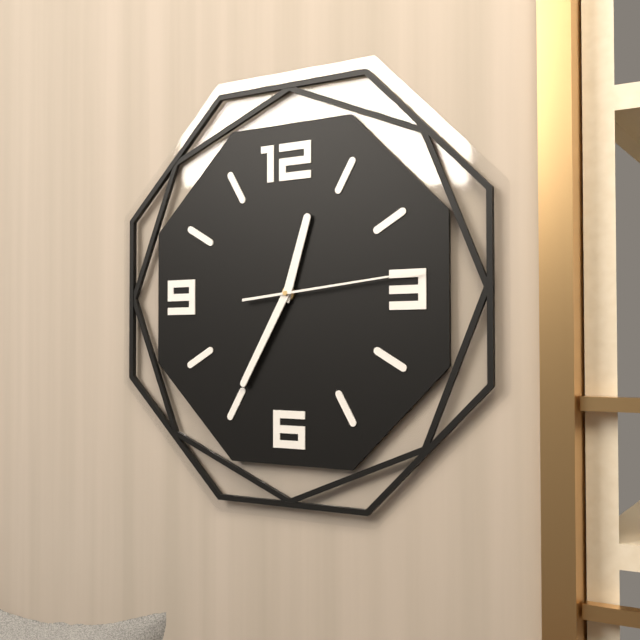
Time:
{"hour": 12, "minute": 35, "second": 14}
